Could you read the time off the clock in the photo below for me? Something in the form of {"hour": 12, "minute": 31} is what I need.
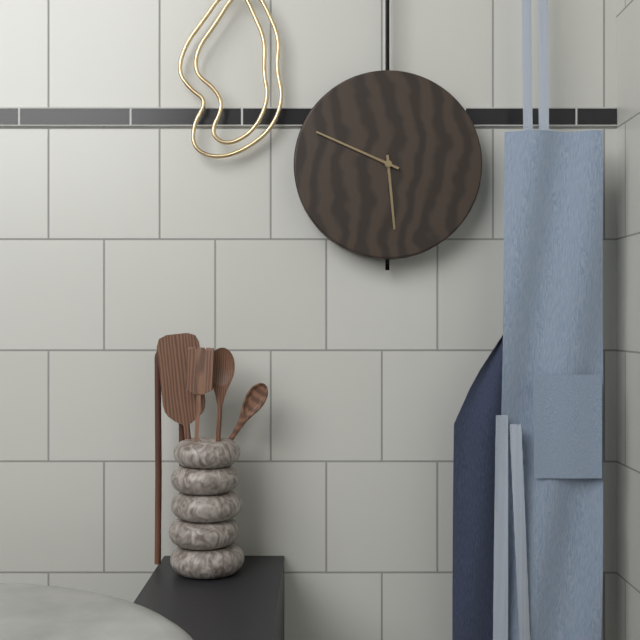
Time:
{"hour": 5, "minute": 49}
